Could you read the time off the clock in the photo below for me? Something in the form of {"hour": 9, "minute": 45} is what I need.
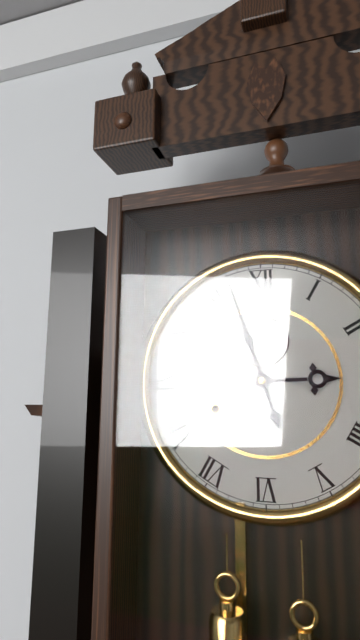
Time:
{"hour": 2, "minute": 57}
